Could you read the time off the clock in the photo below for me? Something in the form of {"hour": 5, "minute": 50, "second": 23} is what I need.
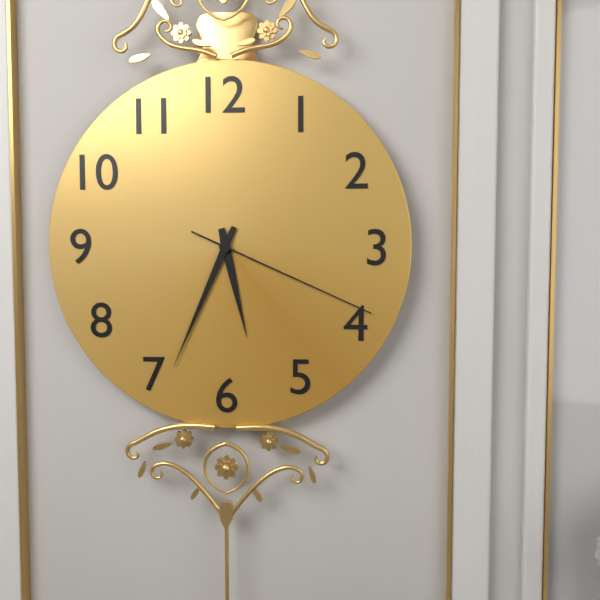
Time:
{"hour": 5, "minute": 34, "second": 19}
